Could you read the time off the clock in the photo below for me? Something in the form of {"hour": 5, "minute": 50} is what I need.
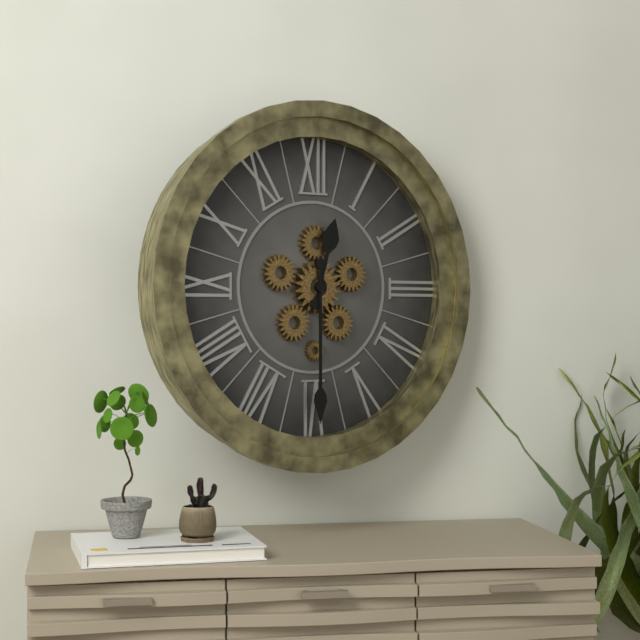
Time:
{"hour": 12, "minute": 30}
